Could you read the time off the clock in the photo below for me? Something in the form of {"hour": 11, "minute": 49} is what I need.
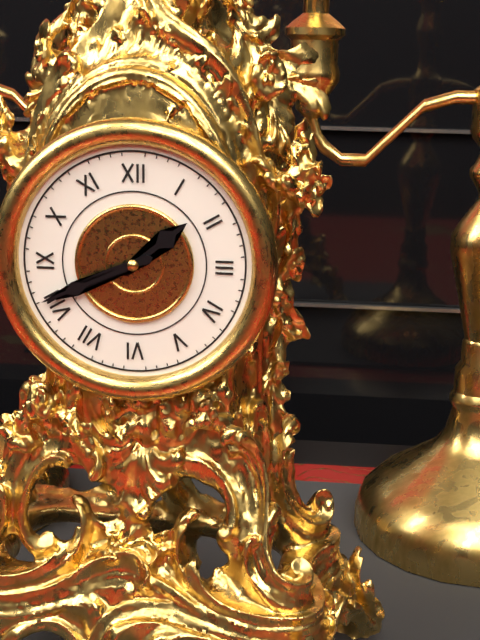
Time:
{"hour": 1, "minute": 41}
